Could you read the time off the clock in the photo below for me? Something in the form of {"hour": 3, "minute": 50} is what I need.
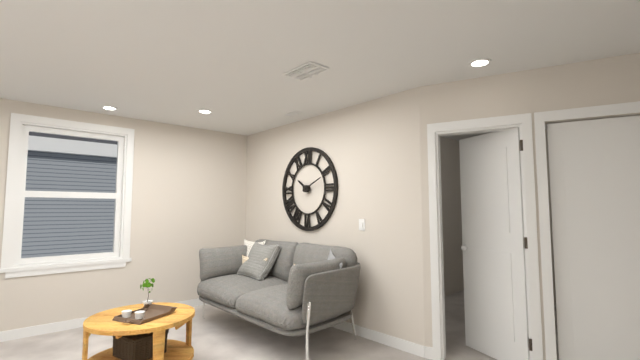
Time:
{"hour": 10, "minute": 11}
